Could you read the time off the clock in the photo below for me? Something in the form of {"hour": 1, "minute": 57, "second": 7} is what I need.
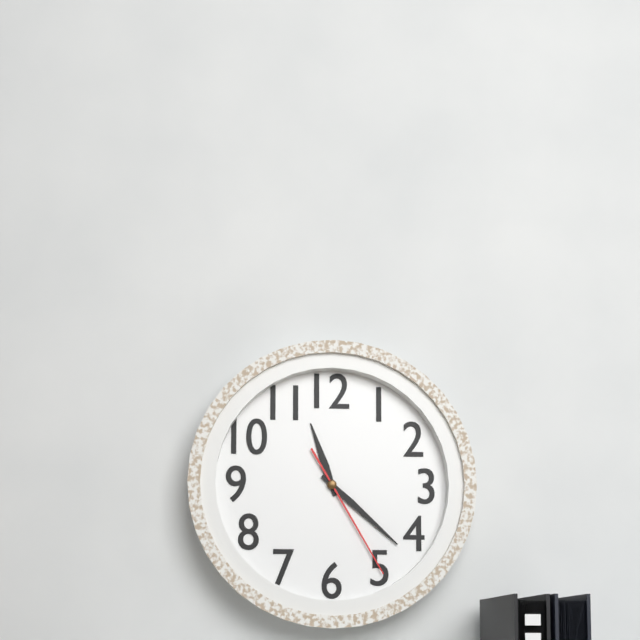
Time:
{"hour": 11, "minute": 22, "second": 25}
